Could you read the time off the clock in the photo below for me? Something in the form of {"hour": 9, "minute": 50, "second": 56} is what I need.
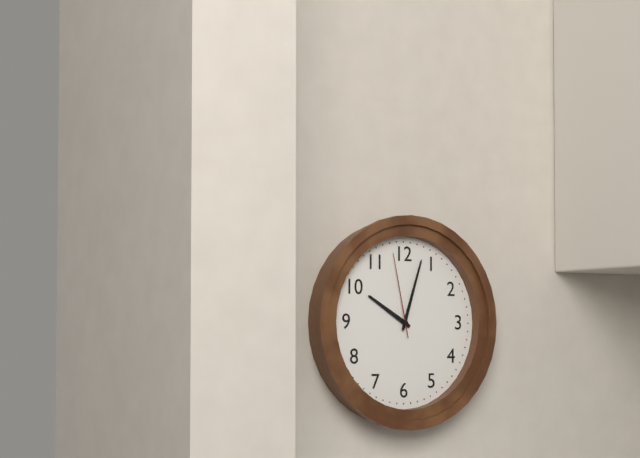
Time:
{"hour": 10, "minute": 3, "second": 58}
